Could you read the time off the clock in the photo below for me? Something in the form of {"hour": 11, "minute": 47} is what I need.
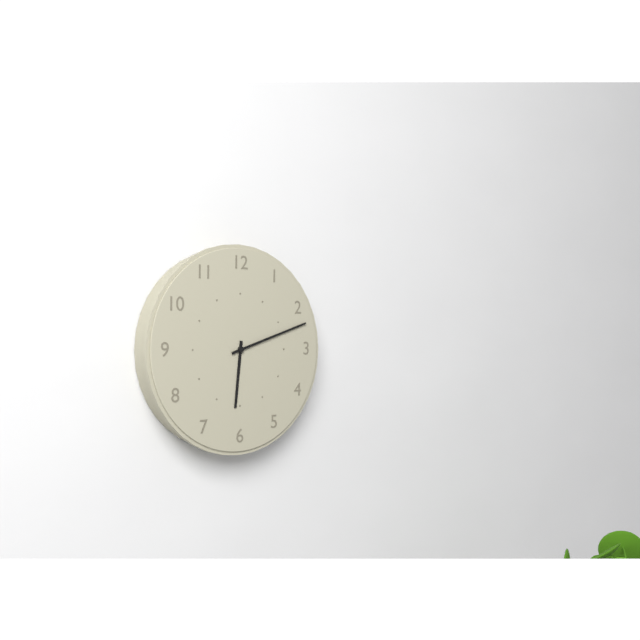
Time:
{"hour": 6, "minute": 12}
